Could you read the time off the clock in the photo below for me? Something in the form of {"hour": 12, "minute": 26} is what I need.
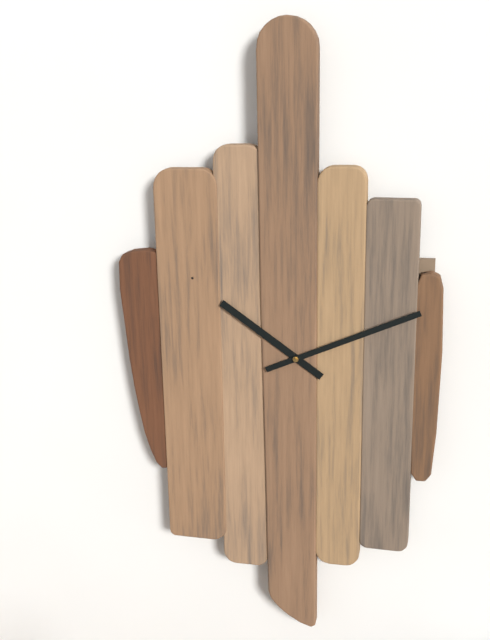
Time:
{"hour": 10, "minute": 11}
